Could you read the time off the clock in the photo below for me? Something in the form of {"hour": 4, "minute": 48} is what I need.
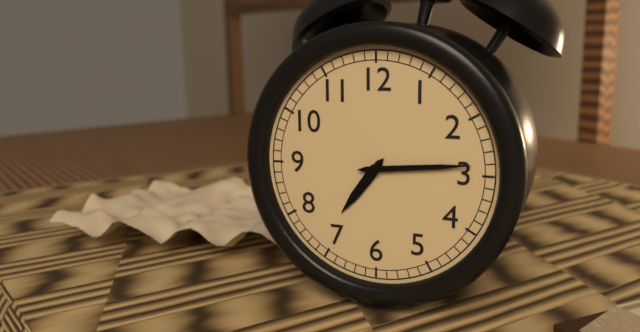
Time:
{"hour": 7, "minute": 14}
